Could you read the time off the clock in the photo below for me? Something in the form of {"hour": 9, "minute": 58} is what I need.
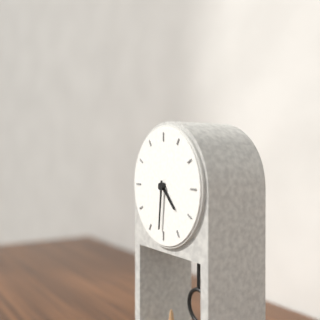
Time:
{"hour": 4, "minute": 31}
